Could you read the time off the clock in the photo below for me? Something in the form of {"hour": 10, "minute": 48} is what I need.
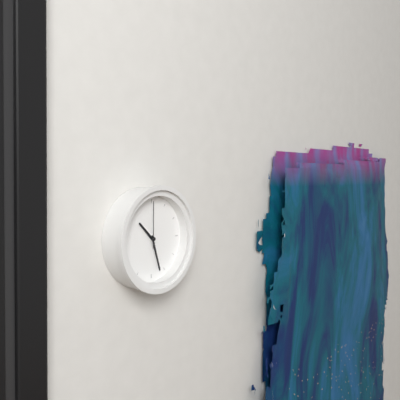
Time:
{"hour": 10, "minute": 27}
